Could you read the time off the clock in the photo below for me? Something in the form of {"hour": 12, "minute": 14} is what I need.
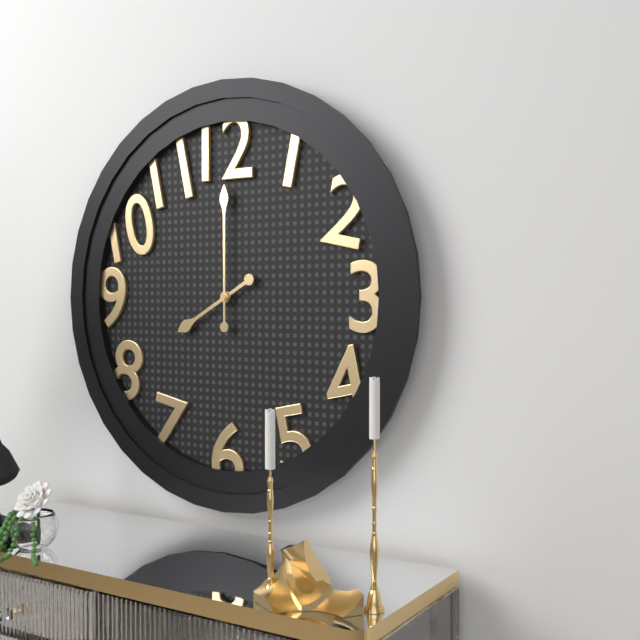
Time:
{"hour": 8, "minute": 0}
